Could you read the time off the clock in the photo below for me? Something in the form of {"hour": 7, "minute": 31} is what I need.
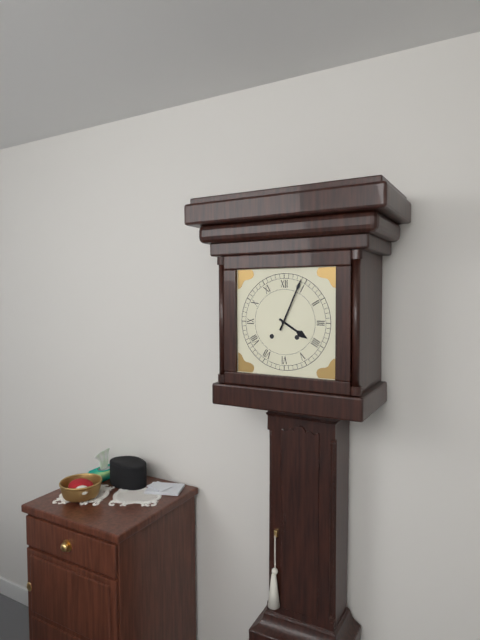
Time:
{"hour": 4, "minute": 4}
